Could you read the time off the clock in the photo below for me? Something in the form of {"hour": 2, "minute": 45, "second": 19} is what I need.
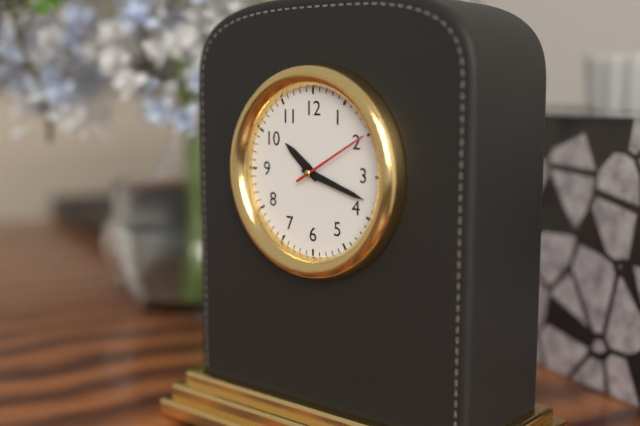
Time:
{"hour": 10, "minute": 18, "second": 10}
